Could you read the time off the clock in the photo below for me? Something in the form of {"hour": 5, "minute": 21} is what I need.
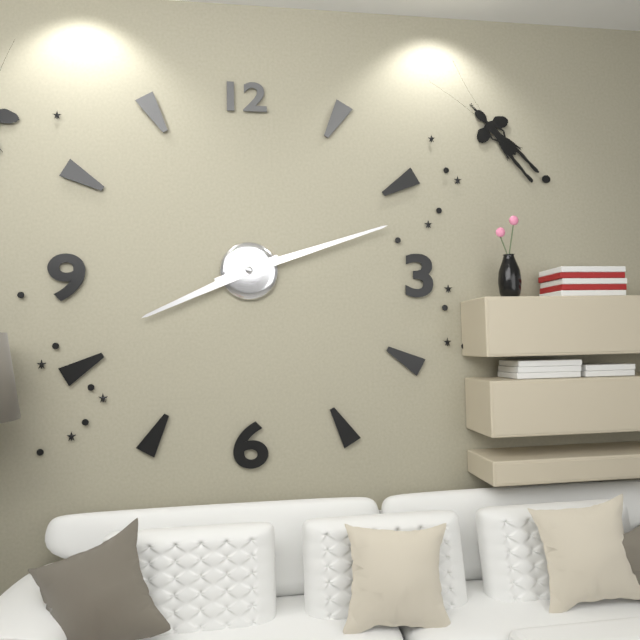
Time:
{"hour": 8, "minute": 12}
